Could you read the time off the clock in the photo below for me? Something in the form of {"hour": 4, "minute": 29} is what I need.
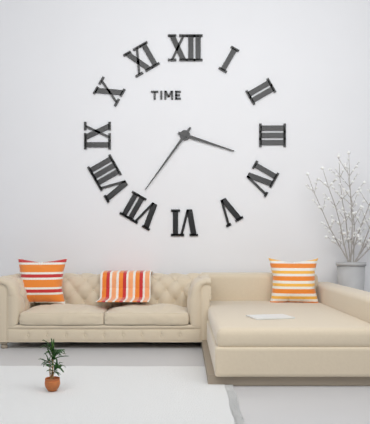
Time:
{"hour": 3, "minute": 36}
